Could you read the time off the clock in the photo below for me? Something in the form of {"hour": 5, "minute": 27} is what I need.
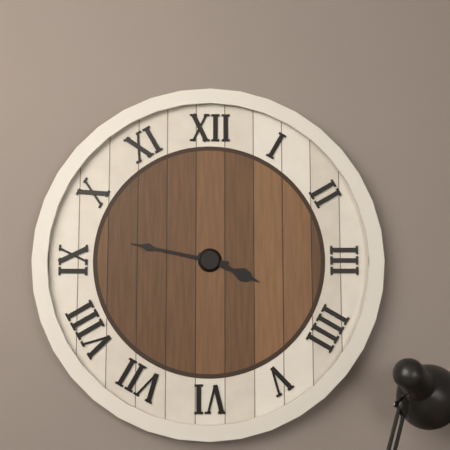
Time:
{"hour": 3, "minute": 47}
